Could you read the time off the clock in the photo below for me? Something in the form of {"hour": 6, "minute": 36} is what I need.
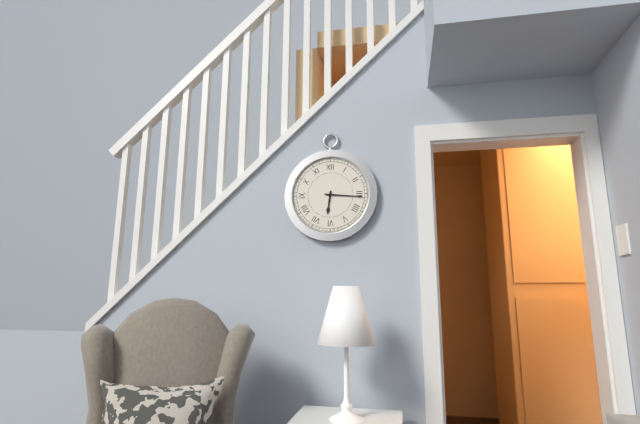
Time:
{"hour": 6, "minute": 16}
